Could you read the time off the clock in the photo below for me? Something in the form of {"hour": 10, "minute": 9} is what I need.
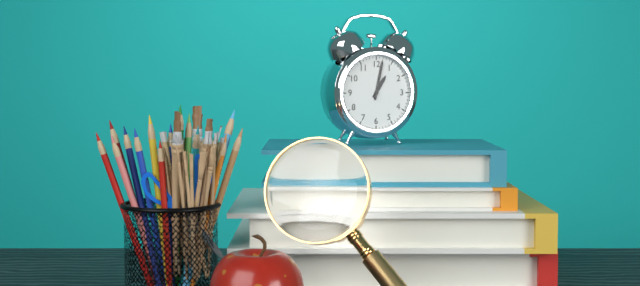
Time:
{"hour": 1, "minute": 2}
